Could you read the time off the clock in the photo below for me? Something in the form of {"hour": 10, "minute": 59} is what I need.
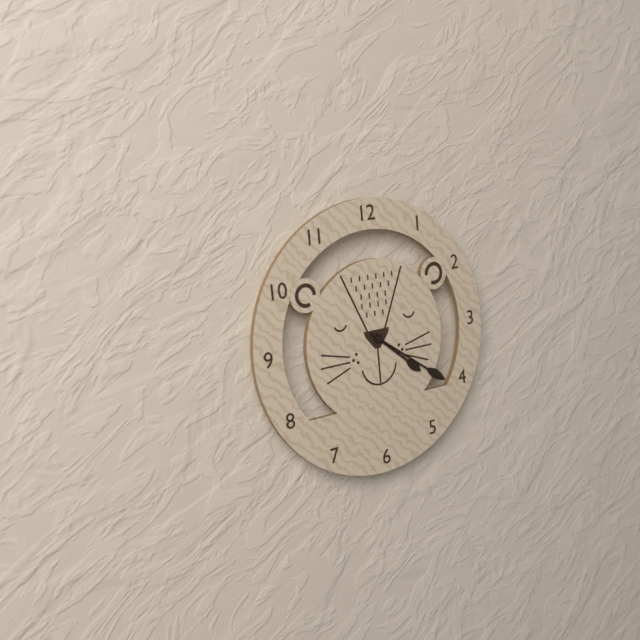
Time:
{"hour": 4, "minute": 21}
